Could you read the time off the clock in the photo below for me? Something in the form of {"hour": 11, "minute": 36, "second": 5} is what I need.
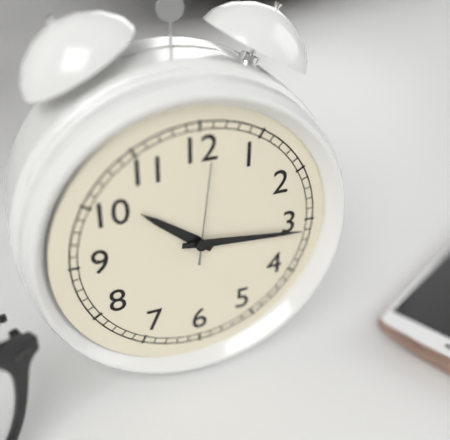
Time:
{"hour": 10, "minute": 16, "second": 1}
